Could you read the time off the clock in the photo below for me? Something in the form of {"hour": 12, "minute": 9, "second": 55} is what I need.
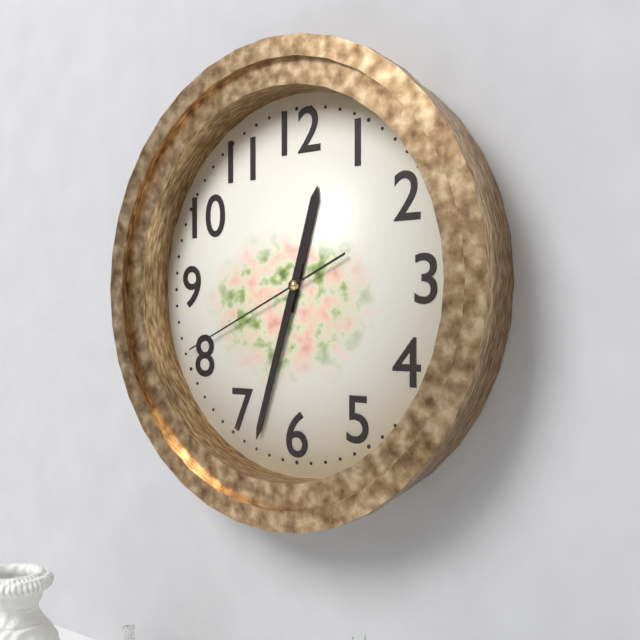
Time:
{"hour": 12, "minute": 33, "second": 41}
